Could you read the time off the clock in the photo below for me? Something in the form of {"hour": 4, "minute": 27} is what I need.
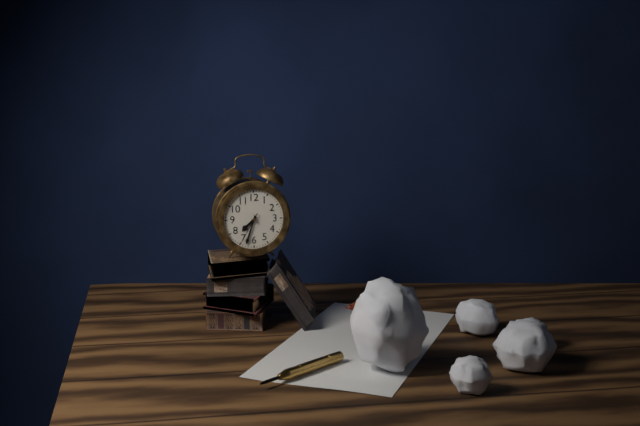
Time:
{"hour": 7, "minute": 33}
